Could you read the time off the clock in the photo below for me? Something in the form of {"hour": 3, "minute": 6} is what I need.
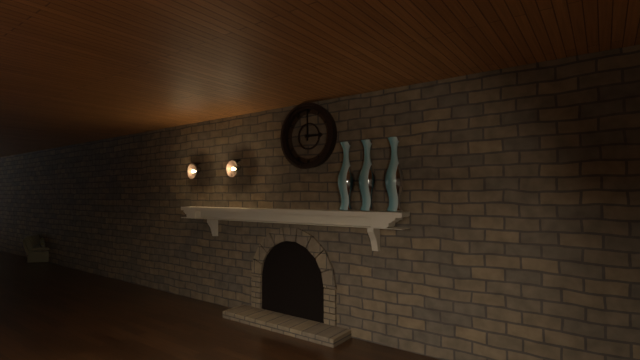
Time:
{"hour": 3, "minute": 0}
